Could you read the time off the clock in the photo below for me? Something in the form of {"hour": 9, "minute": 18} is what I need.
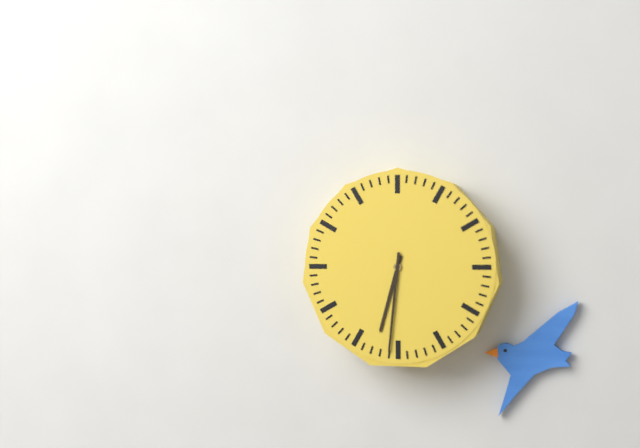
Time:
{"hour": 6, "minute": 31}
